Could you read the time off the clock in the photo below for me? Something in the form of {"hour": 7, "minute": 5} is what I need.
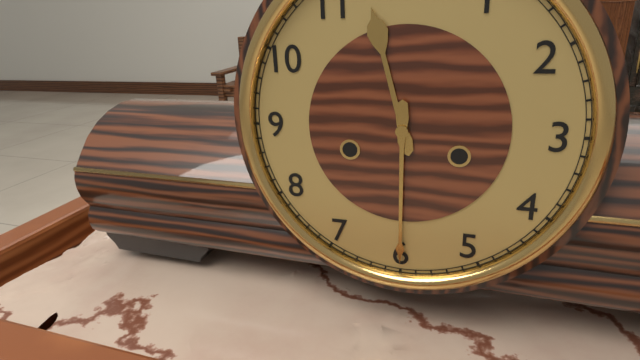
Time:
{"hour": 11, "minute": 30}
